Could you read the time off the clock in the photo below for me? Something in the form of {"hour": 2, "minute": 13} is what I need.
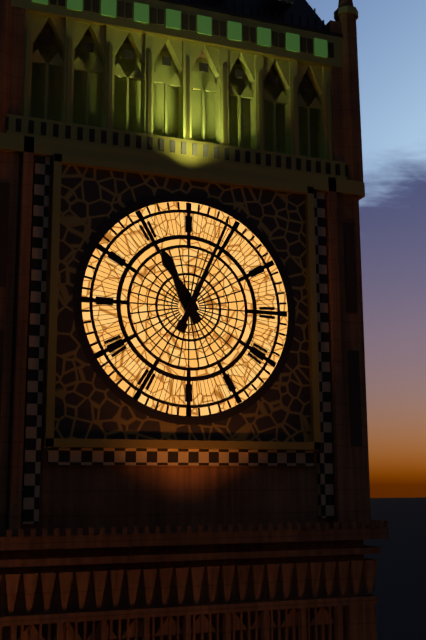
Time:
{"hour": 11, "minute": 4}
